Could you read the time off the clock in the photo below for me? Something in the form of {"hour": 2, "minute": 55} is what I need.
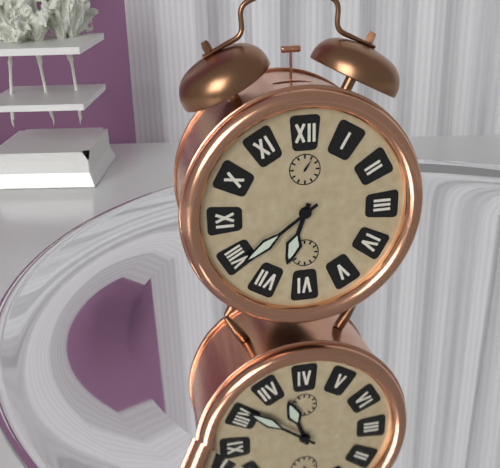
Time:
{"hour": 6, "minute": 39}
